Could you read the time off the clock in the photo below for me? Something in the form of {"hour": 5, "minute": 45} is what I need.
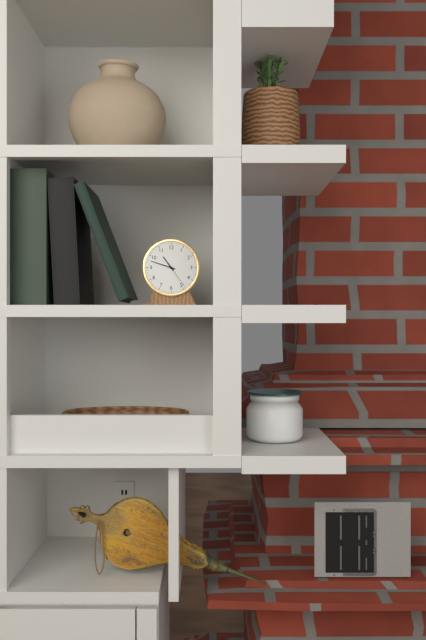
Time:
{"hour": 10, "minute": 48}
